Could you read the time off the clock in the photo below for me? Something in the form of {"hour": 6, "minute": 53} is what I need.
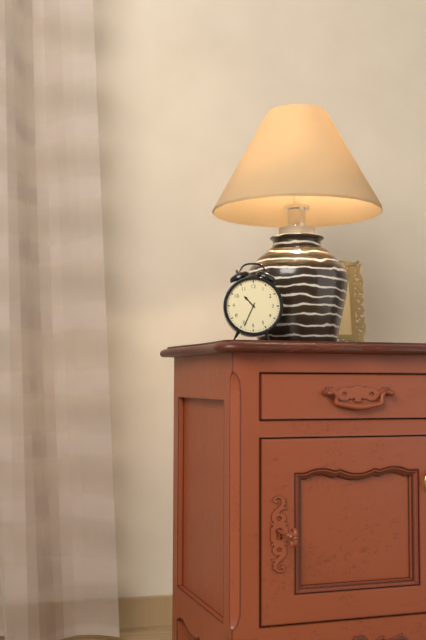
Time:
{"hour": 10, "minute": 34}
